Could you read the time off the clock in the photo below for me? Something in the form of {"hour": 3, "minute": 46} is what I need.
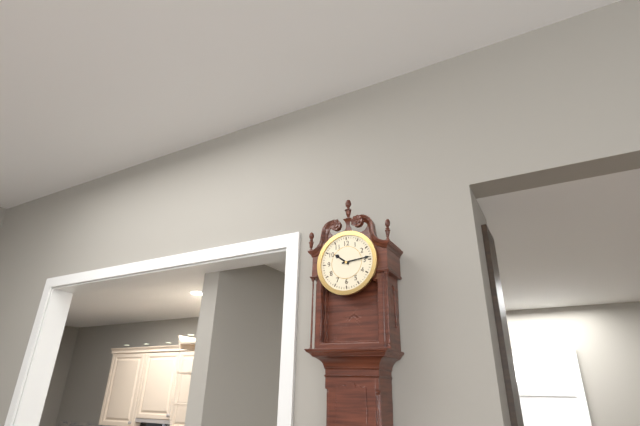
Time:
{"hour": 10, "minute": 14}
